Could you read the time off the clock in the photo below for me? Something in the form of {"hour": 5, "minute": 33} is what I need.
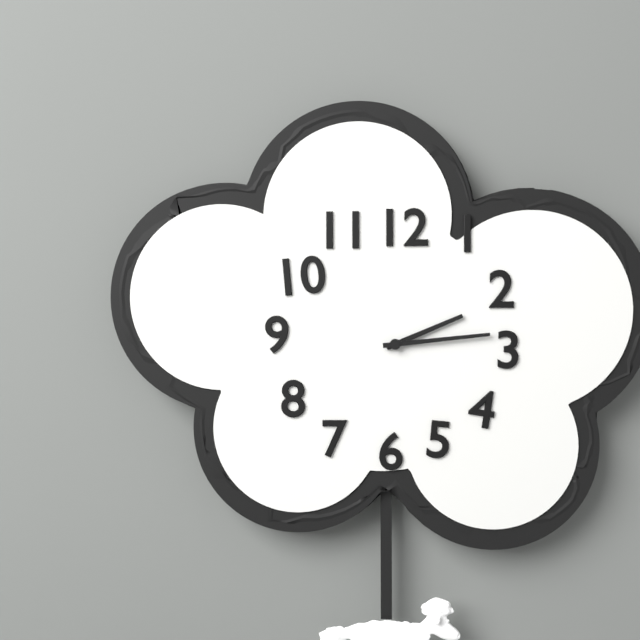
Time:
{"hour": 2, "minute": 14}
